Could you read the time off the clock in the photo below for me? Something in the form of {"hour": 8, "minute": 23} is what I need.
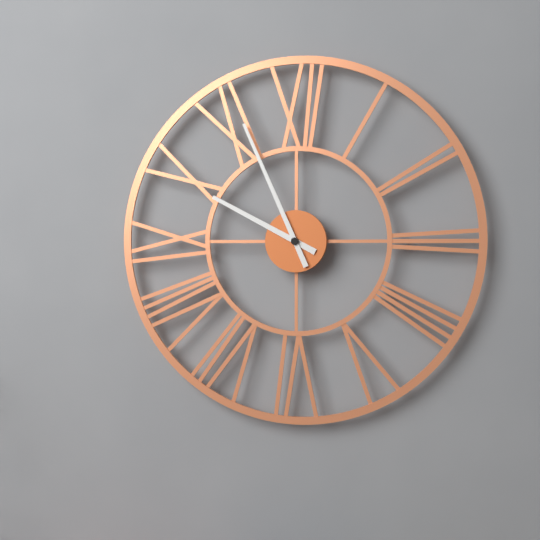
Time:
{"hour": 9, "minute": 56}
